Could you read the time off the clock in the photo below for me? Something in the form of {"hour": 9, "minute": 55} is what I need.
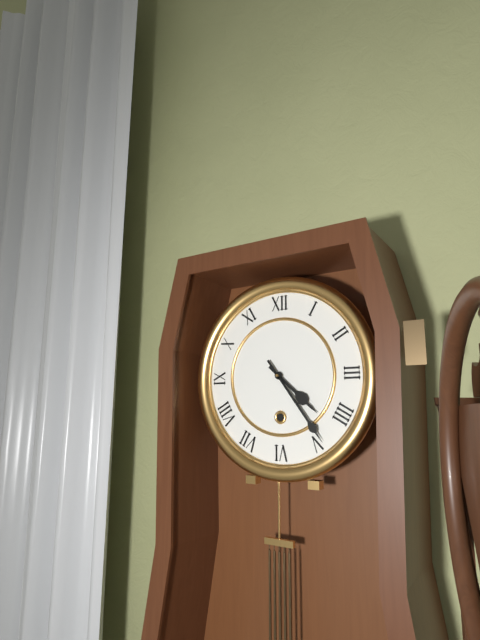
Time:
{"hour": 4, "minute": 24}
